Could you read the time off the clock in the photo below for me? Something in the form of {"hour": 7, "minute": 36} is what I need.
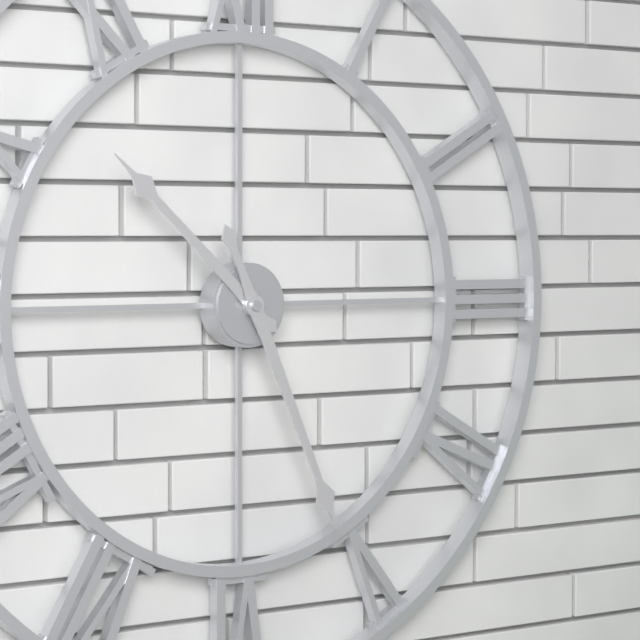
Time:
{"hour": 10, "minute": 26}
